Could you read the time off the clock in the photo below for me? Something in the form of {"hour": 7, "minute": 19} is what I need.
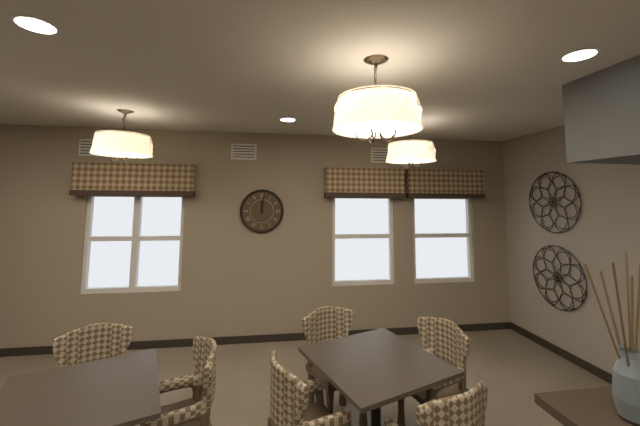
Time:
{"hour": 12, "minute": 1}
